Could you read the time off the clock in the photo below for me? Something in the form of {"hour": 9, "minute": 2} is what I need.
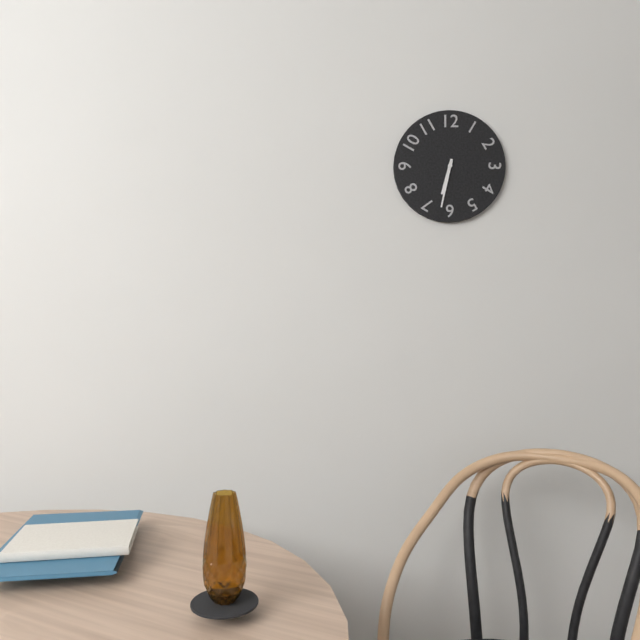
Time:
{"hour": 6, "minute": 32}
